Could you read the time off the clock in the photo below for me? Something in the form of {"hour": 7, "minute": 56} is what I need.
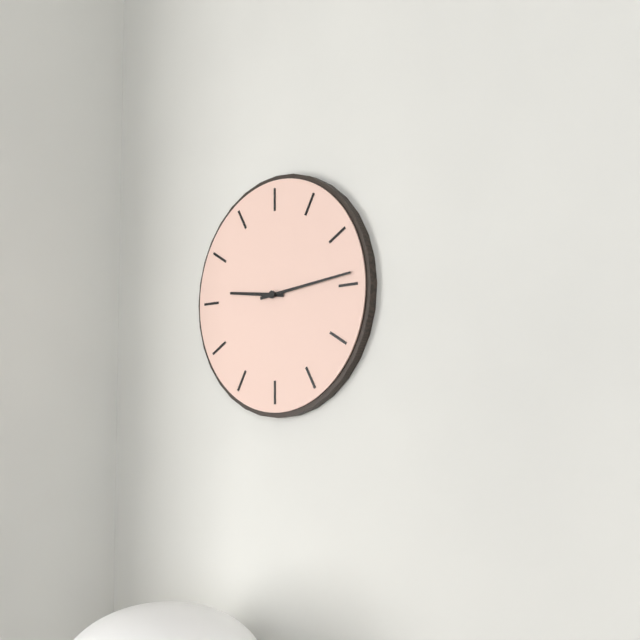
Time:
{"hour": 9, "minute": 14}
